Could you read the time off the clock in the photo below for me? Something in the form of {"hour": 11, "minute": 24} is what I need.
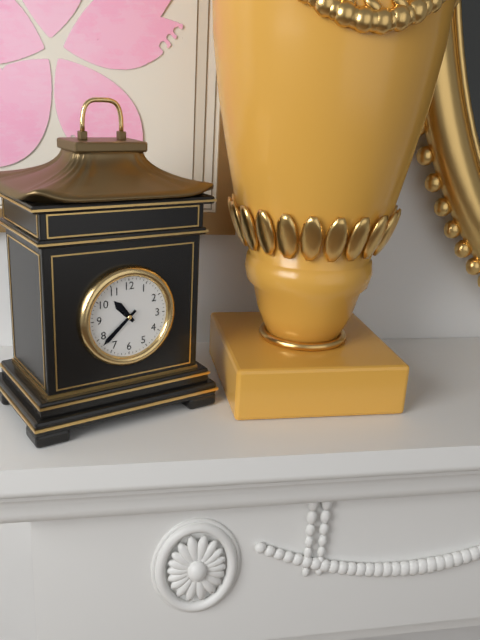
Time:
{"hour": 10, "minute": 38}
